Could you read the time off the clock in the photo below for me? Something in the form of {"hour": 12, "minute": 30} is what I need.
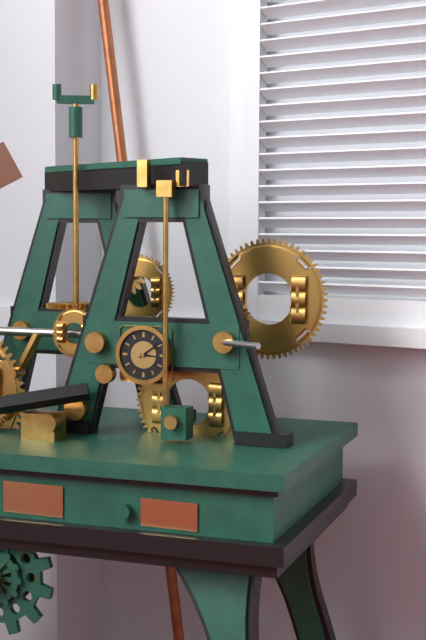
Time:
{"hour": 3, "minute": 9}
